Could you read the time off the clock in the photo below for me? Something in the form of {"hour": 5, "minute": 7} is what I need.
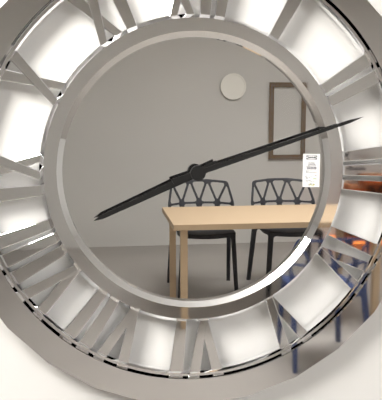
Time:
{"hour": 8, "minute": 12}
